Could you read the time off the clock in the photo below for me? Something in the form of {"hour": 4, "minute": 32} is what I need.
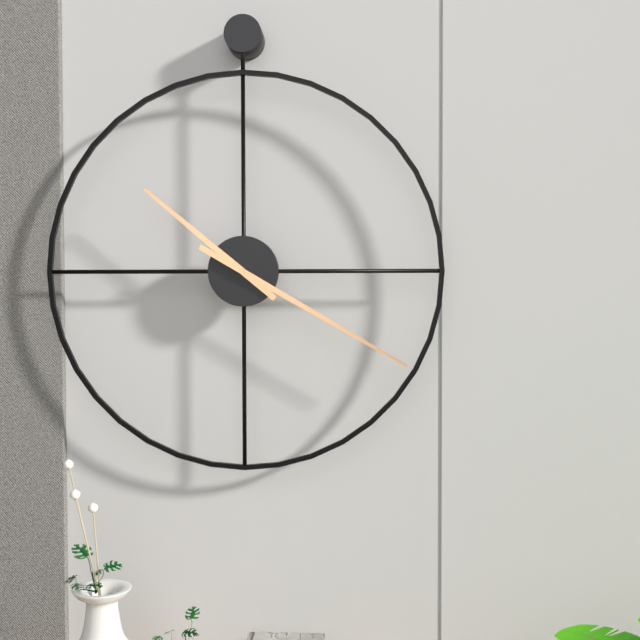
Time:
{"hour": 10, "minute": 20}
